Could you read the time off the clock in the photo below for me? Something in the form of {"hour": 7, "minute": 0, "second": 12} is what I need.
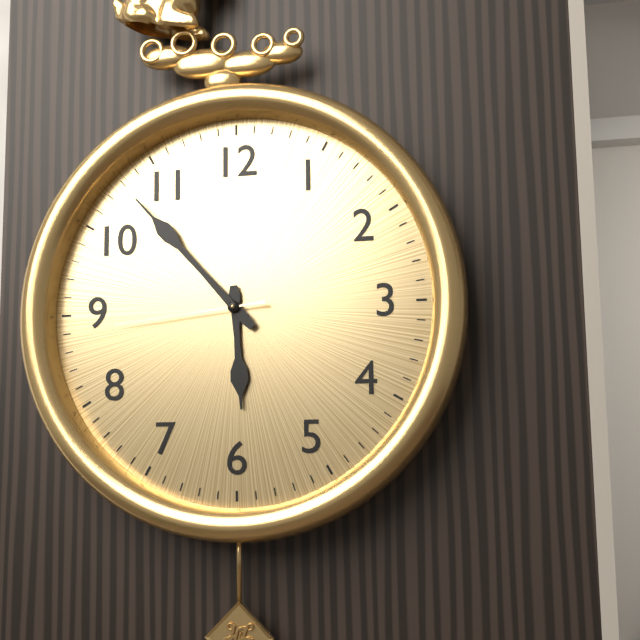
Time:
{"hour": 5, "minute": 53, "second": 44}
